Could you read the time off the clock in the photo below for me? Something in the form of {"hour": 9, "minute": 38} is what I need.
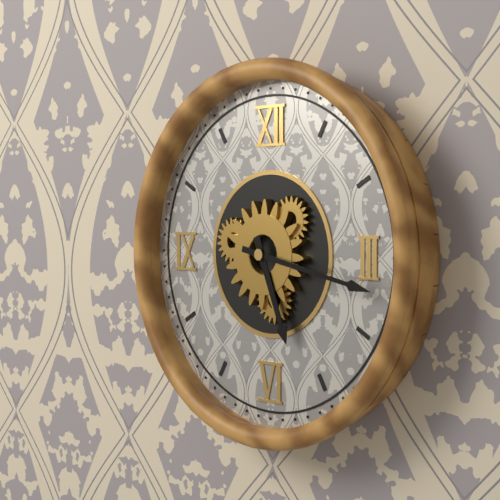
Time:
{"hour": 5, "minute": 17}
